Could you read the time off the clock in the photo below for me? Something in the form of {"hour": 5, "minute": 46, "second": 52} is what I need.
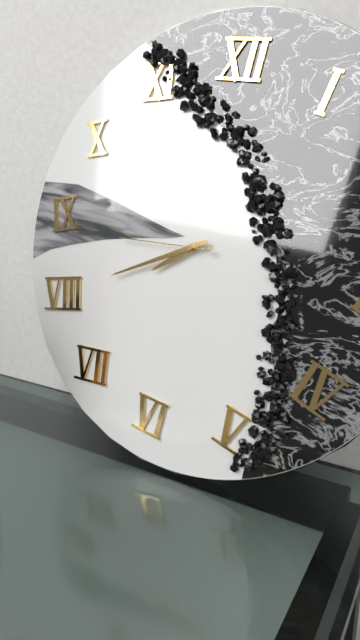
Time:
{"hour": 7, "minute": 40, "second": 44}
